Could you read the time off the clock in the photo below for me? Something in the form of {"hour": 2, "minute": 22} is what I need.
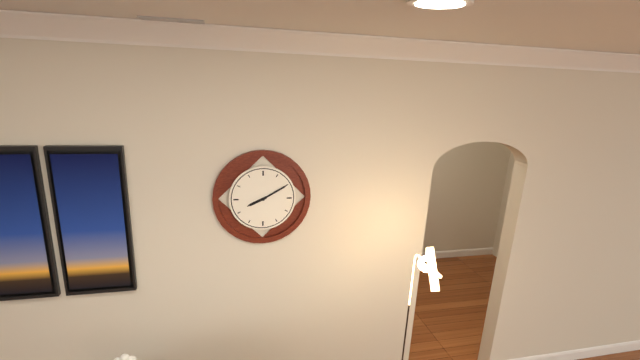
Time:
{"hour": 8, "minute": 10}
